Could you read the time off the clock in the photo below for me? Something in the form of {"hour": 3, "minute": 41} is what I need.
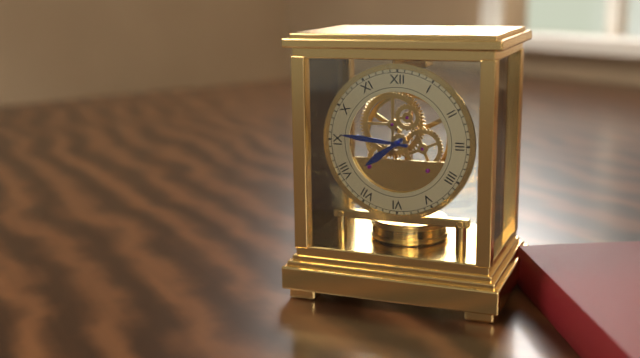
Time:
{"hour": 7, "minute": 46}
